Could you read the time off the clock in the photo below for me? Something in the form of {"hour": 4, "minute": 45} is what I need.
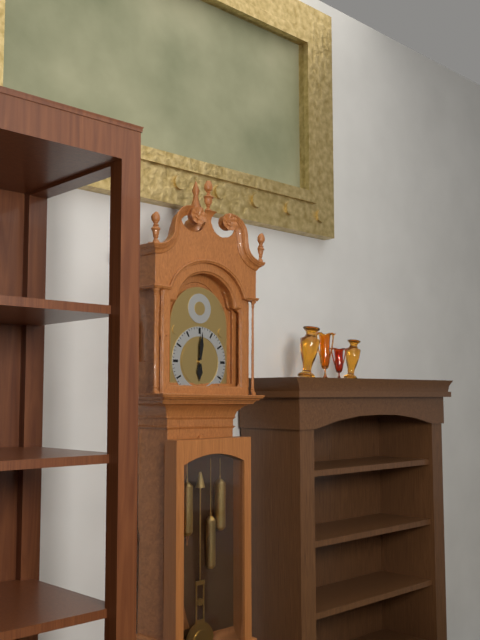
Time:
{"hour": 6, "minute": 1}
